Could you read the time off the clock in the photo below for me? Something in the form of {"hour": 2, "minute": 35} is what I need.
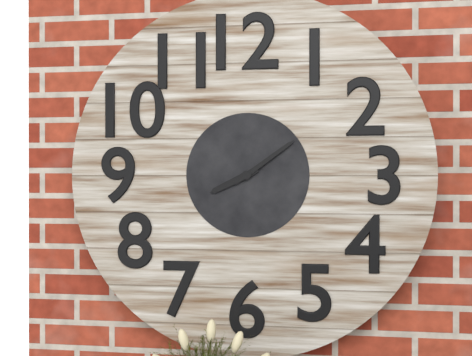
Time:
{"hour": 8, "minute": 9}
